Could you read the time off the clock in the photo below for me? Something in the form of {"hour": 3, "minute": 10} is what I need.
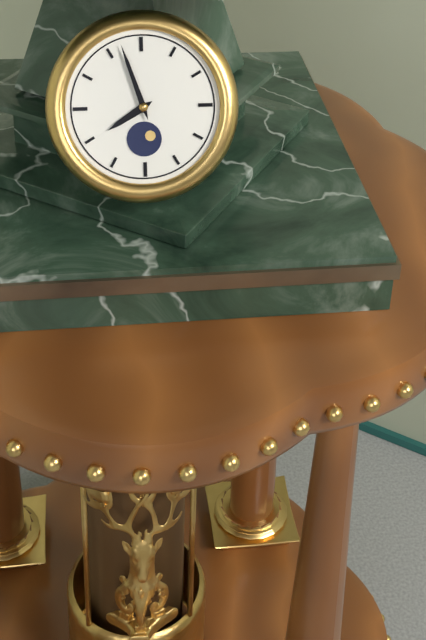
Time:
{"hour": 7, "minute": 57}
